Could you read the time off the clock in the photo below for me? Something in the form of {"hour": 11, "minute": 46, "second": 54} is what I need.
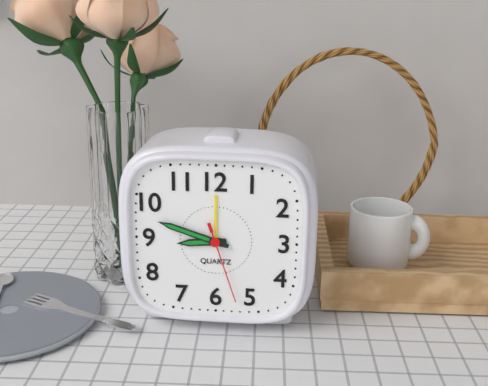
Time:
{"hour": 8, "minute": 48, "second": 27}
